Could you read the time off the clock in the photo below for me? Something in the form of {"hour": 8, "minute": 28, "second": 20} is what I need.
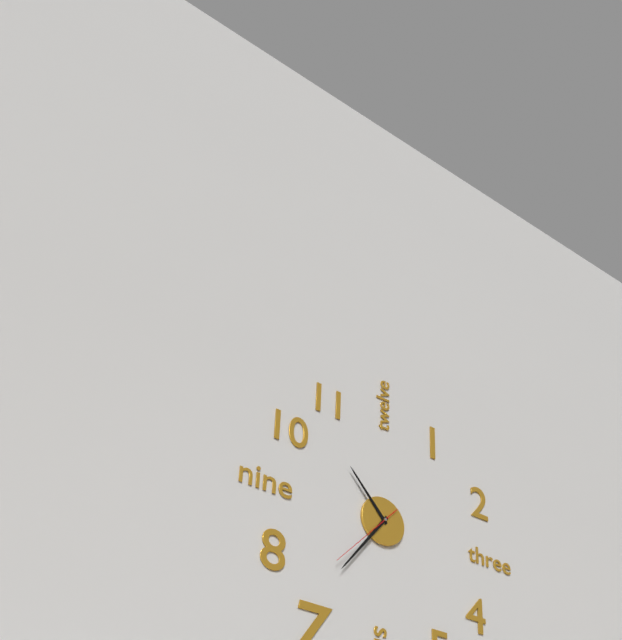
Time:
{"hour": 10, "minute": 36, "second": 37}
